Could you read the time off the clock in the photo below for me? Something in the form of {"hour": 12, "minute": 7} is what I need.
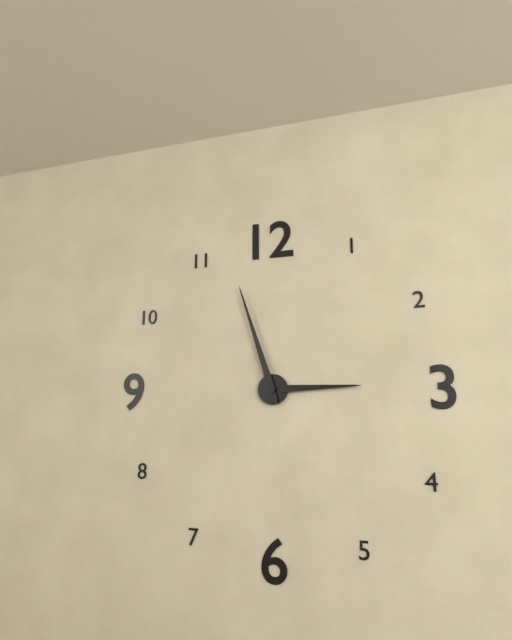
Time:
{"hour": 2, "minute": 57}
